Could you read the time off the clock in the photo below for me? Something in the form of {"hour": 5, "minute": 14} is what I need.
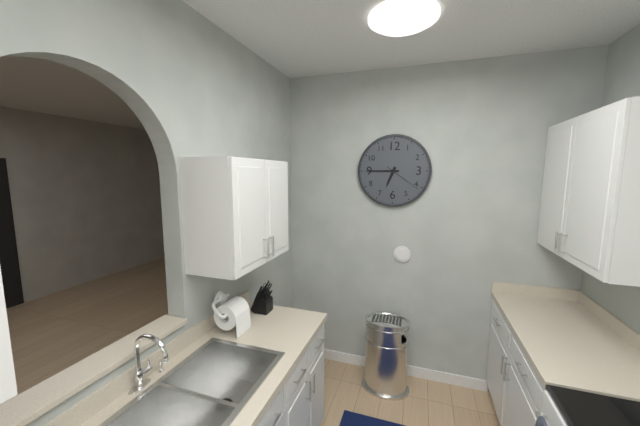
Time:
{"hour": 6, "minute": 45}
